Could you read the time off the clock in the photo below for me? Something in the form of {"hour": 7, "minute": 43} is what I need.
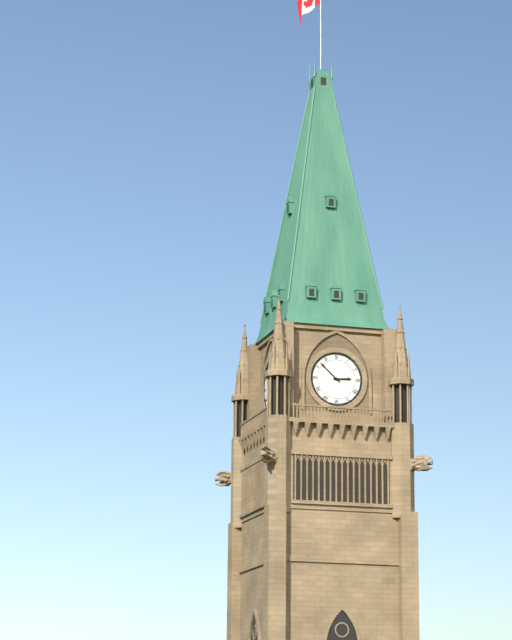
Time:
{"hour": 2, "minute": 52}
